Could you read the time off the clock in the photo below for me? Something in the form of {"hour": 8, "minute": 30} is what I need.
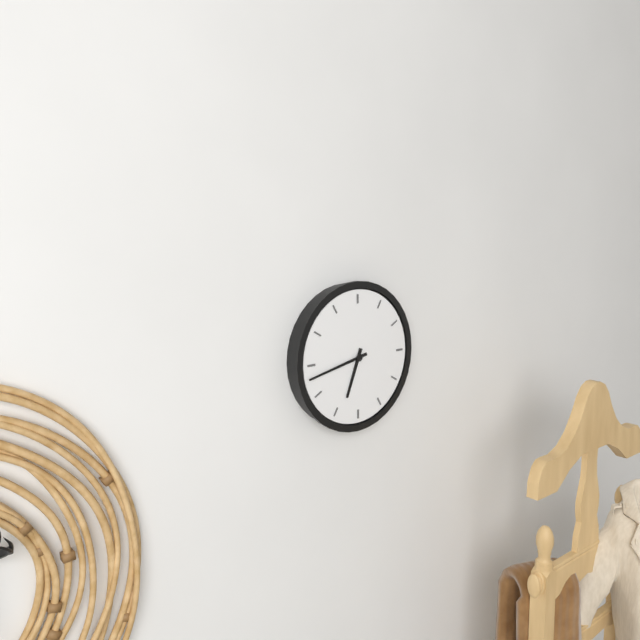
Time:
{"hour": 6, "minute": 43}
